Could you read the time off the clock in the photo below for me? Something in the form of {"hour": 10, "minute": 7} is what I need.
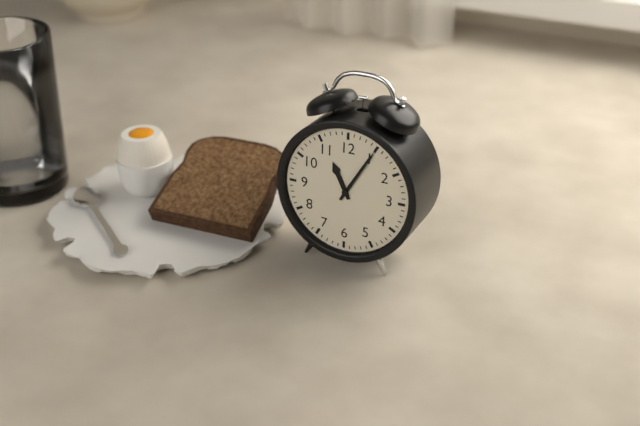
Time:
{"hour": 11, "minute": 5}
